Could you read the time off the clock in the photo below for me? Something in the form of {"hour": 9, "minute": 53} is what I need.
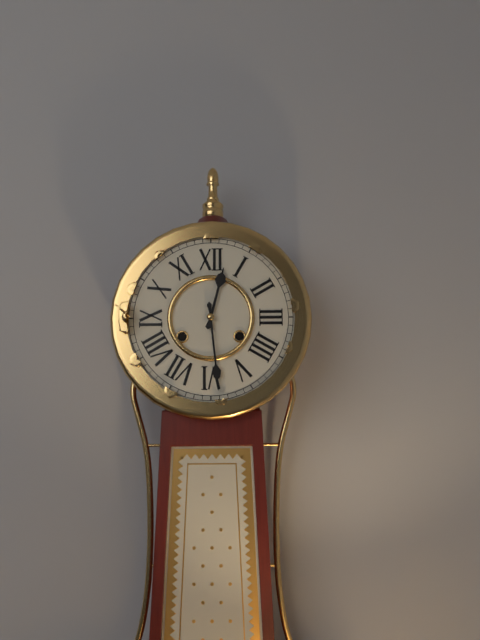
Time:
{"hour": 12, "minute": 29}
